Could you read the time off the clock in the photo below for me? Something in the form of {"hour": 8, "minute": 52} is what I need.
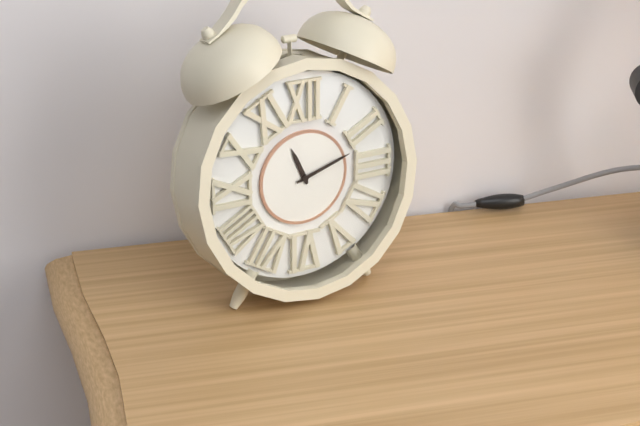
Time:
{"hour": 11, "minute": 12}
